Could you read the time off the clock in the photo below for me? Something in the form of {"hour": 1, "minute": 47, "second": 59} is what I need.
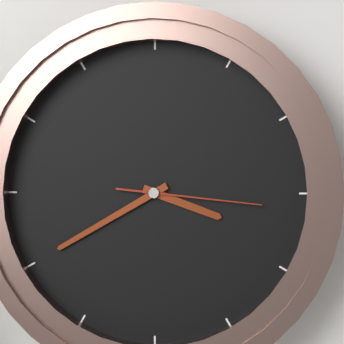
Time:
{"hour": 3, "minute": 40, "second": 16}
